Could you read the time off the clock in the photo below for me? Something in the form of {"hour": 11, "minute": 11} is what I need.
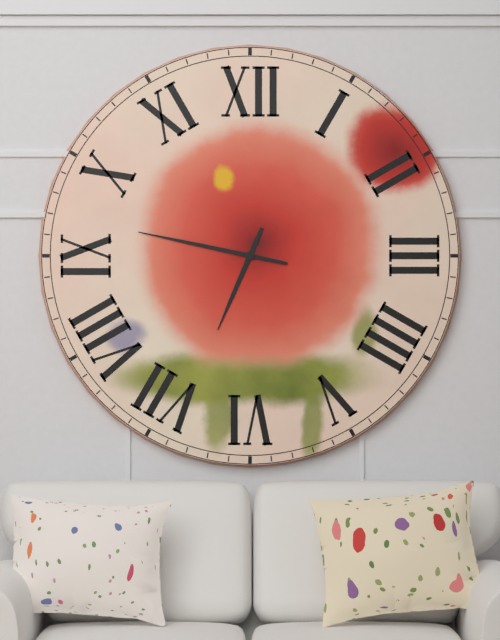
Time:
{"hour": 6, "minute": 47}
